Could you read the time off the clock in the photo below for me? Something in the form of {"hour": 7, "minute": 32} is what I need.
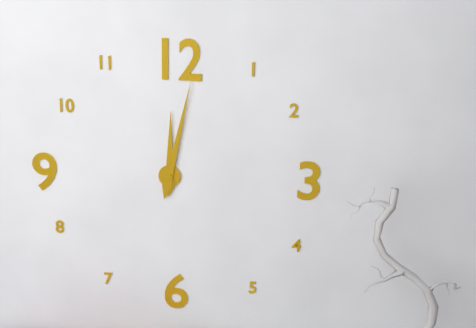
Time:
{"hour": 12, "minute": 2}
